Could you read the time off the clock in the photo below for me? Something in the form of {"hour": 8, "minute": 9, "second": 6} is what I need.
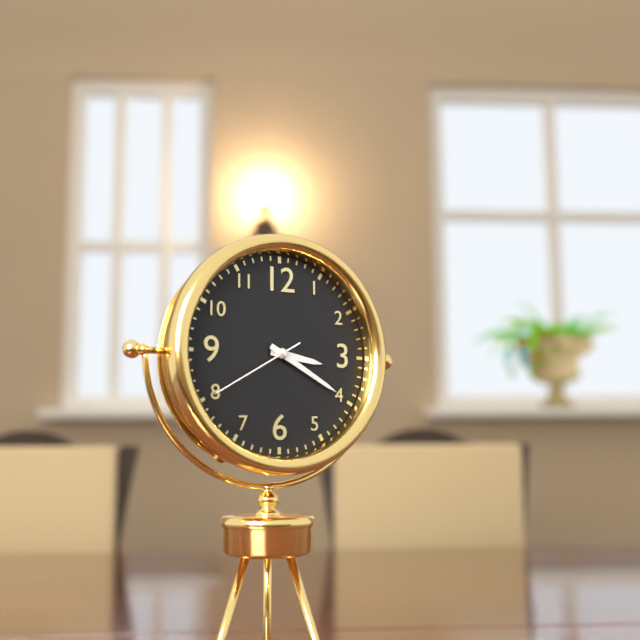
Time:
{"hour": 3, "minute": 20, "second": 40}
